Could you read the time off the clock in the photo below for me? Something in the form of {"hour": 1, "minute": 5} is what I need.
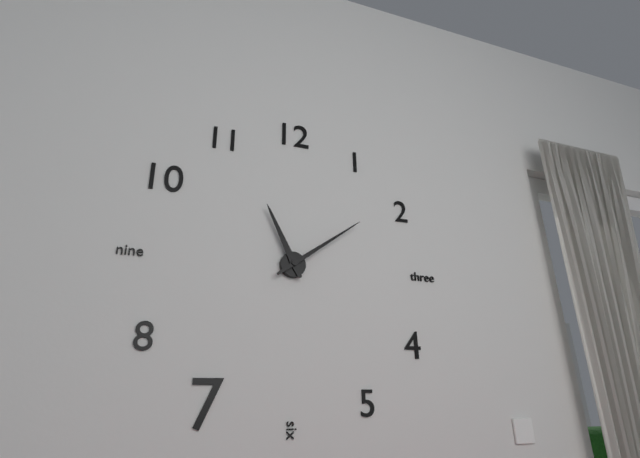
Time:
{"hour": 11, "minute": 9}
